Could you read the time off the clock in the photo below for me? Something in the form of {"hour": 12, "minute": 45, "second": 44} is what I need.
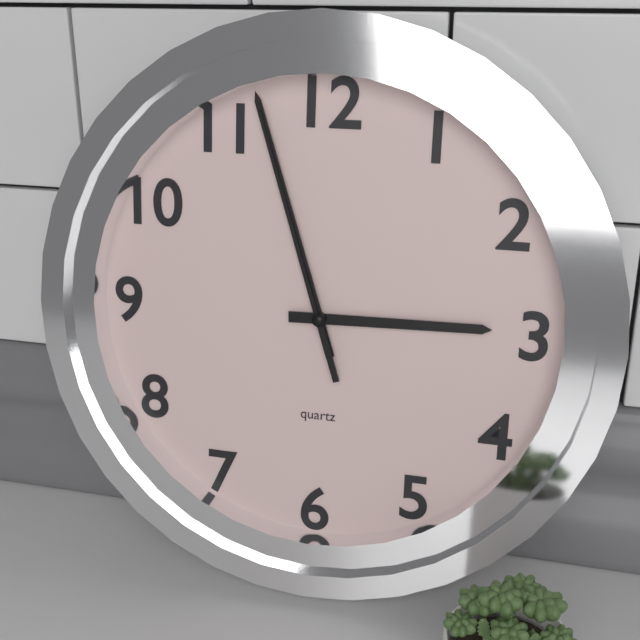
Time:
{"hour": 2, "minute": 57, "second": 57}
